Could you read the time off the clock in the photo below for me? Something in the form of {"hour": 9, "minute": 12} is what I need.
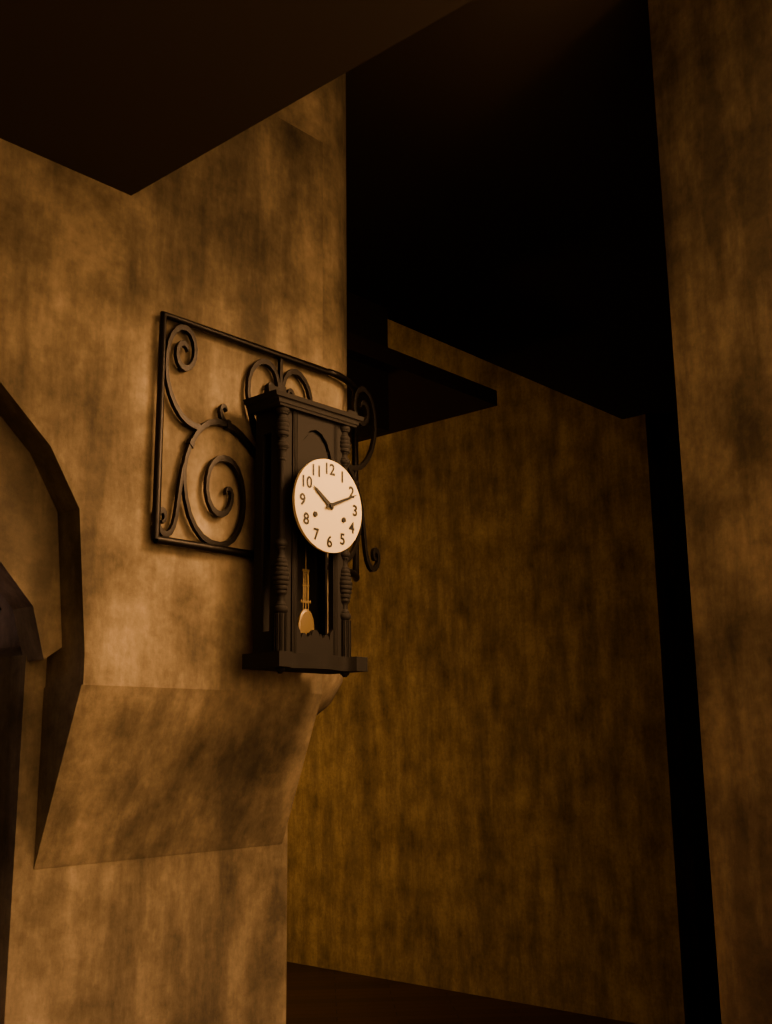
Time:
{"hour": 10, "minute": 11}
